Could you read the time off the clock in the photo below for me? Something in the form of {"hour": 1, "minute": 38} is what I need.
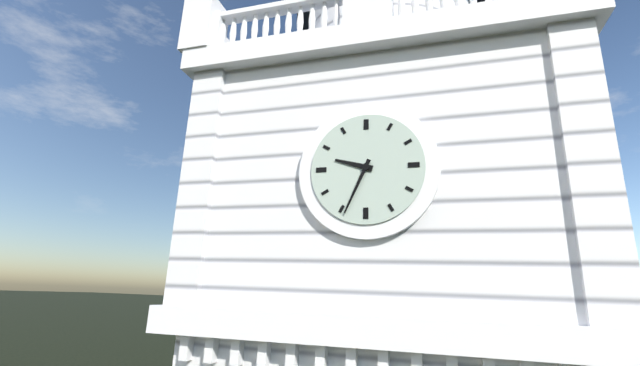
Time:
{"hour": 9, "minute": 34}
